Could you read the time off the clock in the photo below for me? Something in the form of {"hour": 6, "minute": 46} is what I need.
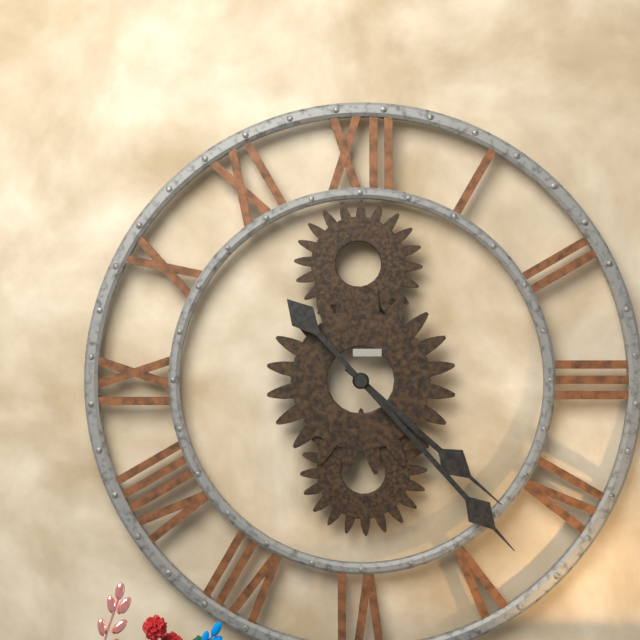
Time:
{"hour": 4, "minute": 23}
